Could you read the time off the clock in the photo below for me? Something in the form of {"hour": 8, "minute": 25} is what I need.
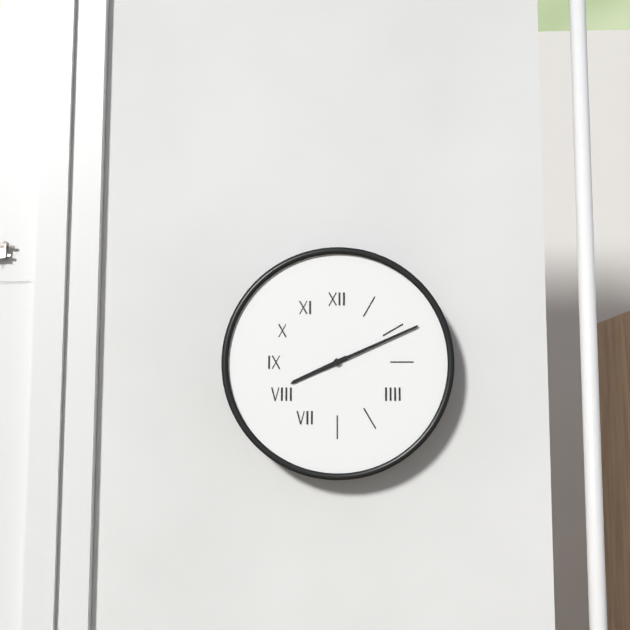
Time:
{"hour": 8, "minute": 11}
